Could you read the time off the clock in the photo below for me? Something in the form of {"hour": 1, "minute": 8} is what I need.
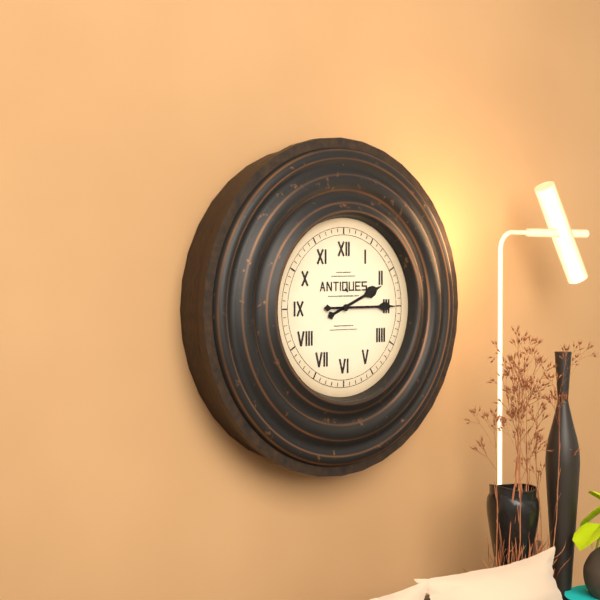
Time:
{"hour": 2, "minute": 15}
